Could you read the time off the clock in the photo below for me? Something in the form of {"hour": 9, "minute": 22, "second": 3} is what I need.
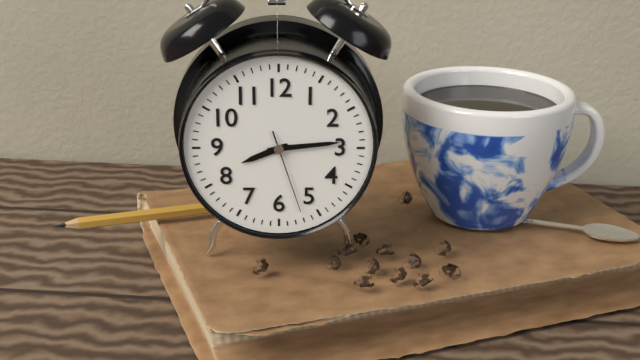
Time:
{"hour": 8, "minute": 14, "second": 27}
